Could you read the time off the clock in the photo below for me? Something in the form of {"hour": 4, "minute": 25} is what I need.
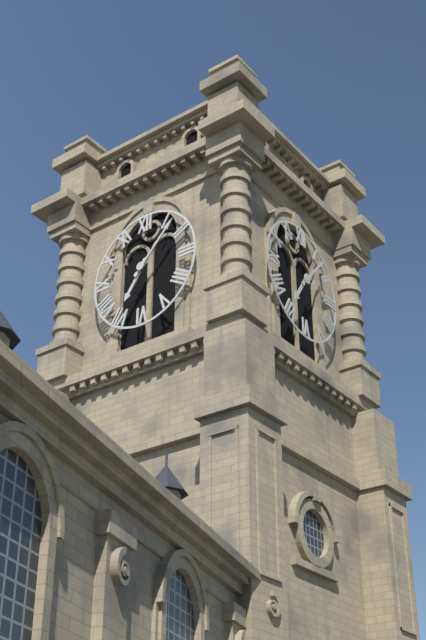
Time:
{"hour": 7, "minute": 7}
